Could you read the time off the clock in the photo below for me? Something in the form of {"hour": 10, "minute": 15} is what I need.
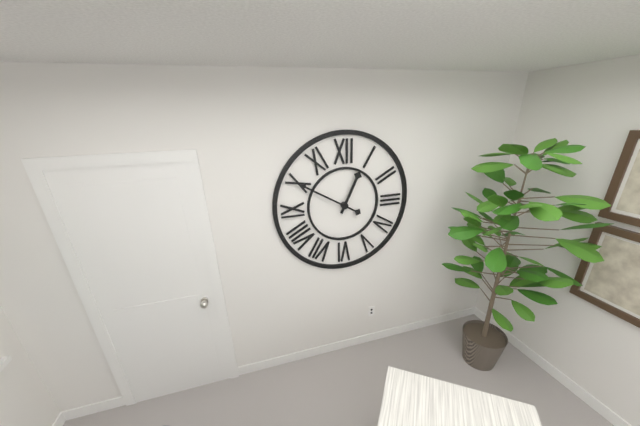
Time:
{"hour": 12, "minute": 50}
